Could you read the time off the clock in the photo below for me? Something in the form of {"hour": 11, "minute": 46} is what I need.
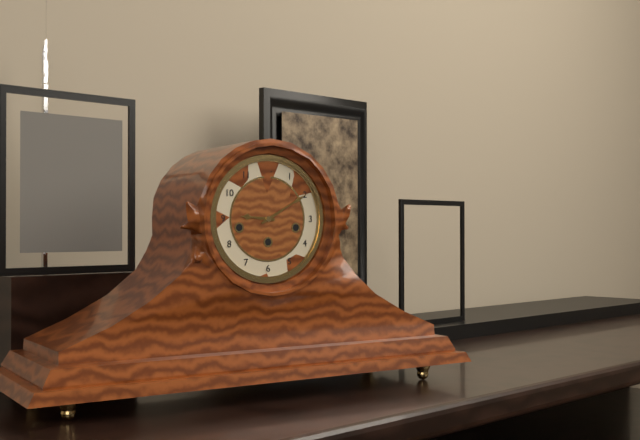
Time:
{"hour": 9, "minute": 10}
